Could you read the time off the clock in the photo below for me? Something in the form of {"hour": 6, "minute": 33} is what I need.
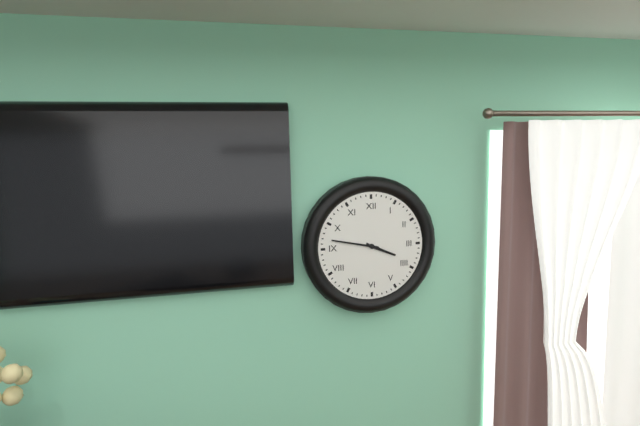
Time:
{"hour": 3, "minute": 47}
